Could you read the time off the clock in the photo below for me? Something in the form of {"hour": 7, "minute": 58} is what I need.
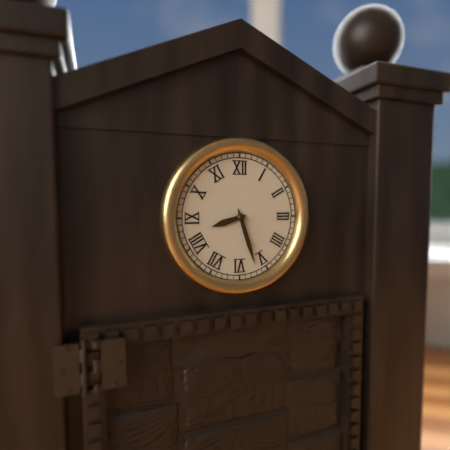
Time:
{"hour": 8, "minute": 27}
